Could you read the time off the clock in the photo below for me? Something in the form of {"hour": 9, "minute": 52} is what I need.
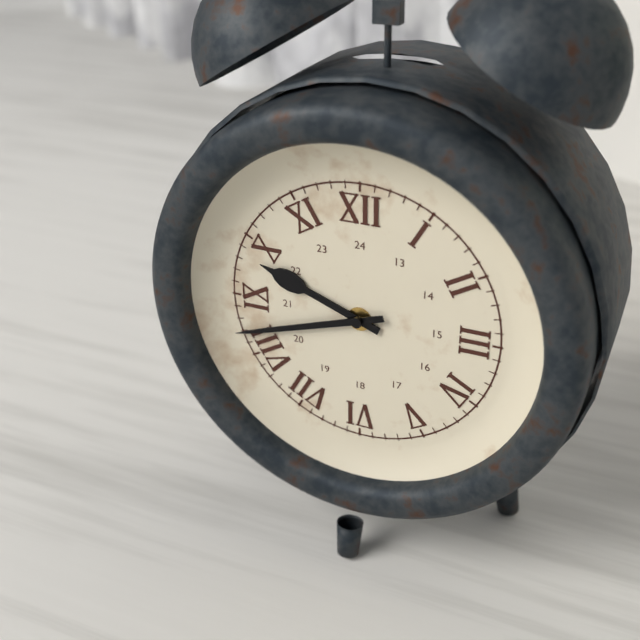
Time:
{"hour": 9, "minute": 42}
